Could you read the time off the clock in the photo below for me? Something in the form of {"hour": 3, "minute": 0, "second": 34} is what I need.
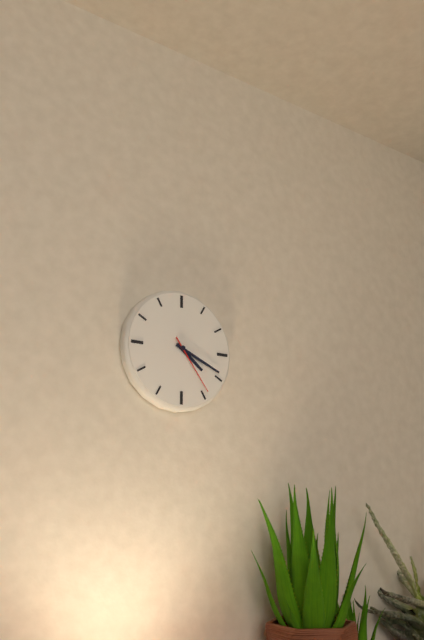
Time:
{"hour": 4, "minute": 19, "second": 24}
